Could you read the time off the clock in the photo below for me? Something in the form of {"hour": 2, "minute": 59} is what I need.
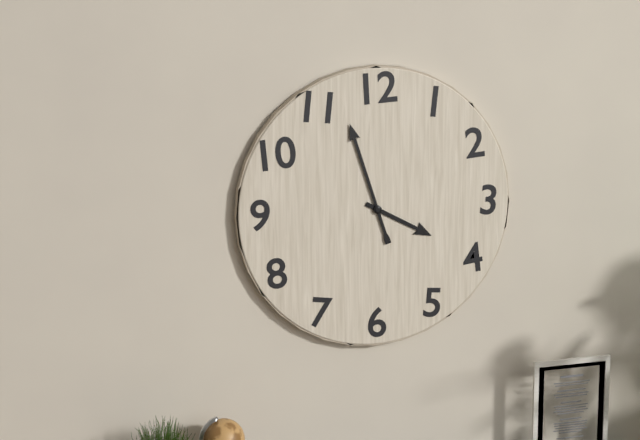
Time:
{"hour": 3, "minute": 57}
